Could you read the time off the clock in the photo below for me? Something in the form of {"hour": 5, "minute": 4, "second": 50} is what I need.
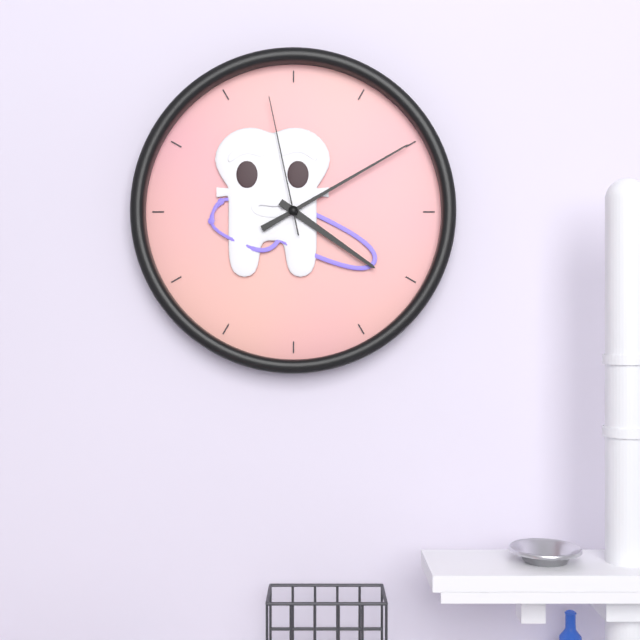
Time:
{"hour": 4, "minute": 10, "second": 58}
